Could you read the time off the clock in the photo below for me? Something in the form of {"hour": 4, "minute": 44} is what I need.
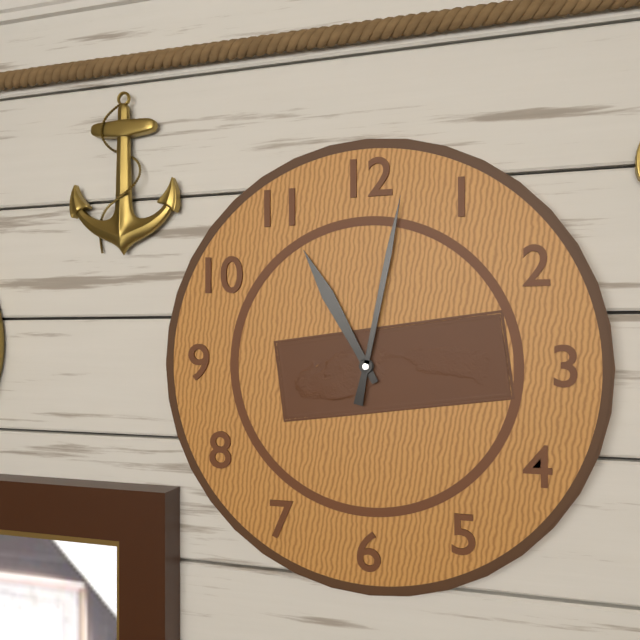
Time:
{"hour": 11, "minute": 2}
